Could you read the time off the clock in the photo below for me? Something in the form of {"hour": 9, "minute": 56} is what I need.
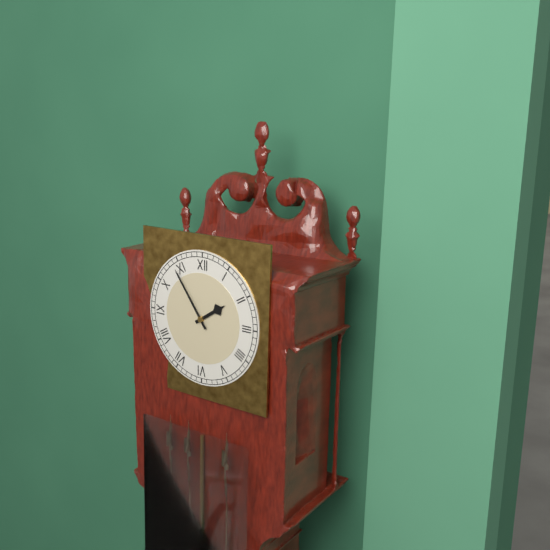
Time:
{"hour": 1, "minute": 54}
